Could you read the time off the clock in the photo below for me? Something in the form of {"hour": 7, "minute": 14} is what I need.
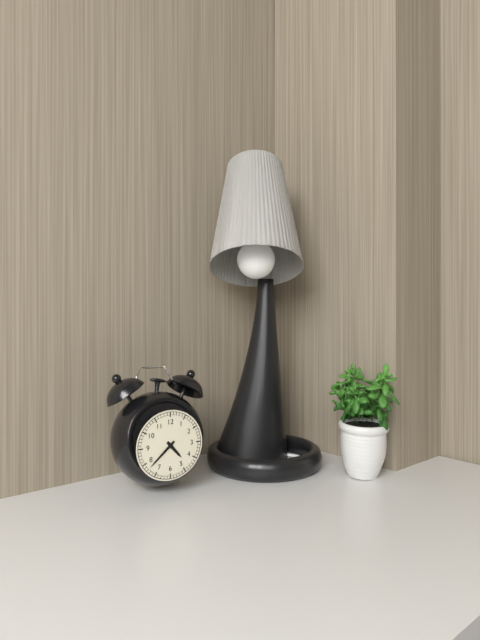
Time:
{"hour": 4, "minute": 38}
